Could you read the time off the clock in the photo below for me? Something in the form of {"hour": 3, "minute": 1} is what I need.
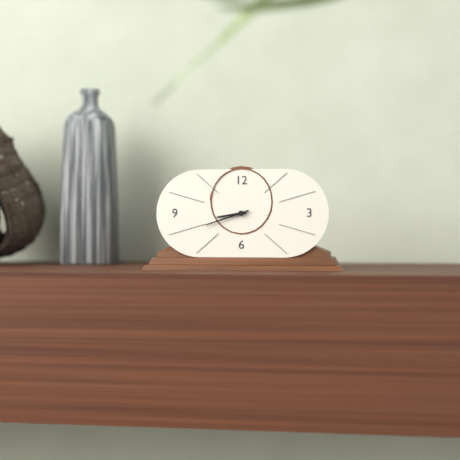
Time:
{"hour": 8, "minute": 42}
